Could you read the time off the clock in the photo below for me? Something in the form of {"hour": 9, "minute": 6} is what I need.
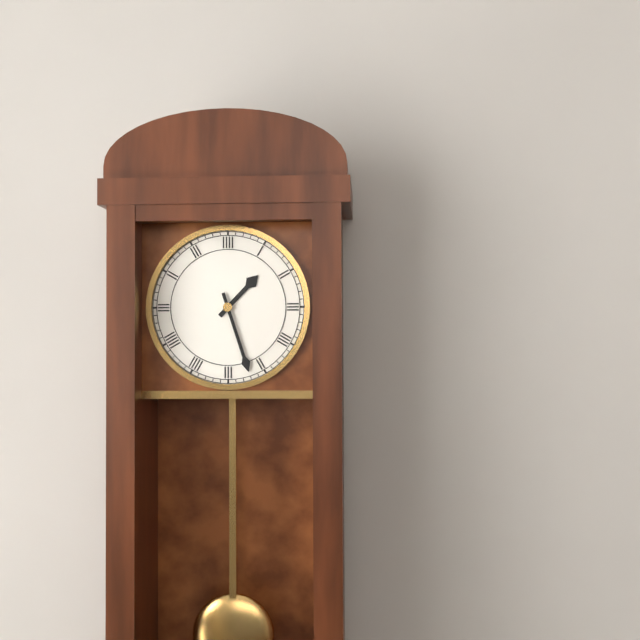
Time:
{"hour": 1, "minute": 27}
